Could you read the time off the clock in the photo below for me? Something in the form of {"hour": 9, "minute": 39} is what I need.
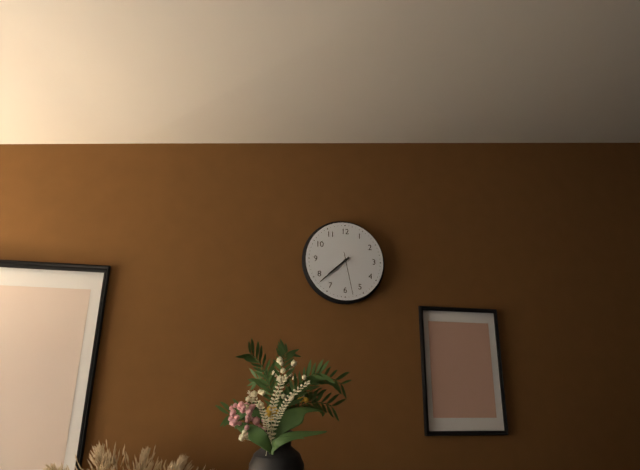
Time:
{"hour": 7, "minute": 38}
